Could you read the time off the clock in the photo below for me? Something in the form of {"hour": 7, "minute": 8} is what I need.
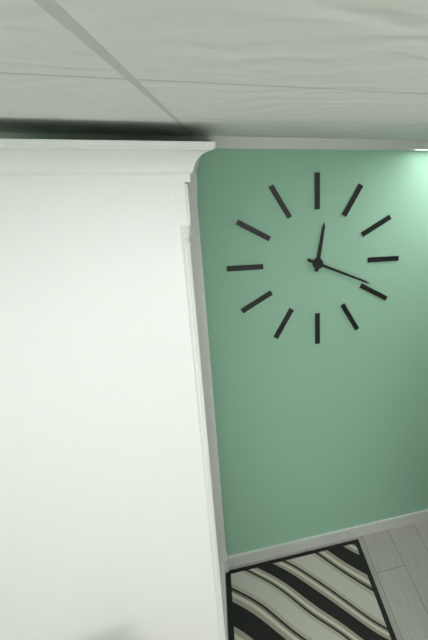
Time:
{"hour": 12, "minute": 19}
